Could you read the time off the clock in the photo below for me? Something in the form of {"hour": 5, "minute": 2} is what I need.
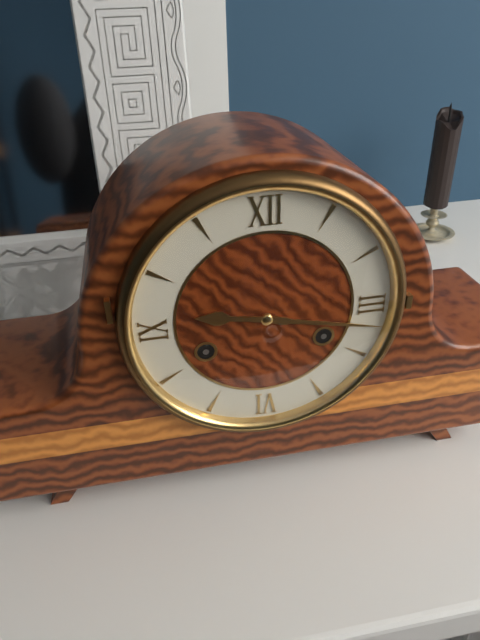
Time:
{"hour": 9, "minute": 17}
